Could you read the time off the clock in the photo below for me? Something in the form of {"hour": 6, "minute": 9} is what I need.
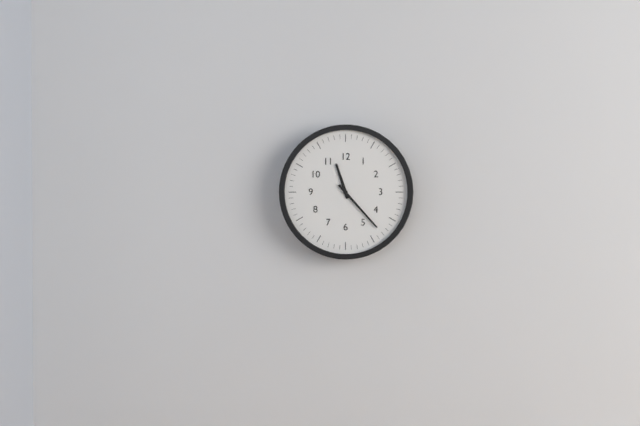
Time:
{"hour": 11, "minute": 23}
